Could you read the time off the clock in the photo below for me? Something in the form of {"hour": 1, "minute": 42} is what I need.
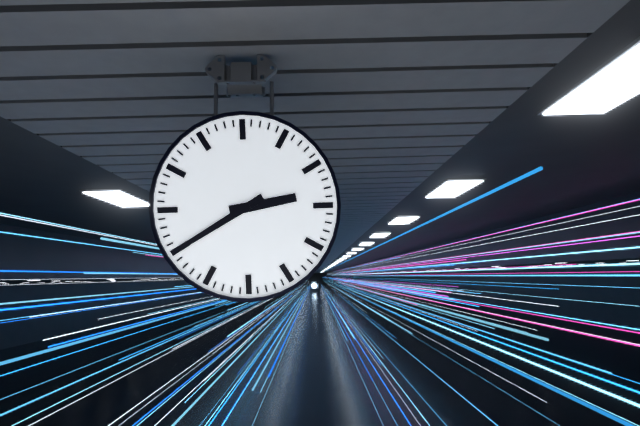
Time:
{"hour": 2, "minute": 40}
